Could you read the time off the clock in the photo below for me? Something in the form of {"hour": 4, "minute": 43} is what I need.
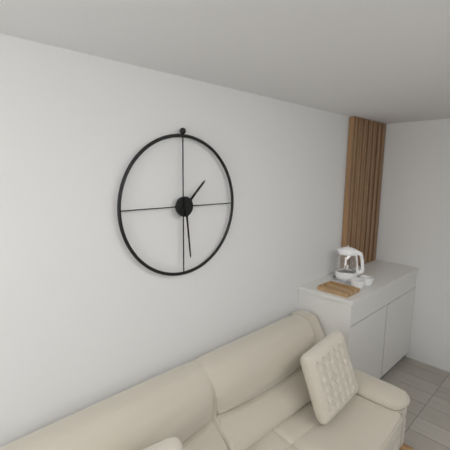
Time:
{"hour": 1, "minute": 29}
